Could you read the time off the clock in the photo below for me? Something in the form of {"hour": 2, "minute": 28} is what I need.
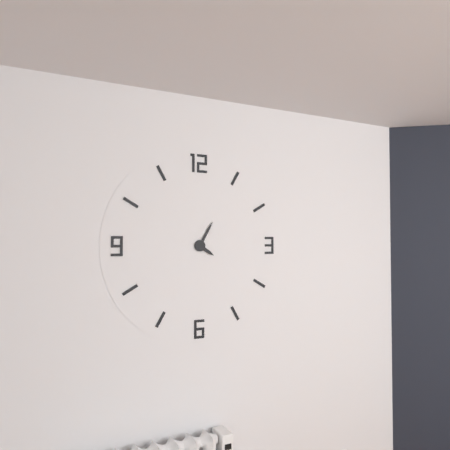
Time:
{"hour": 4, "minute": 5}
